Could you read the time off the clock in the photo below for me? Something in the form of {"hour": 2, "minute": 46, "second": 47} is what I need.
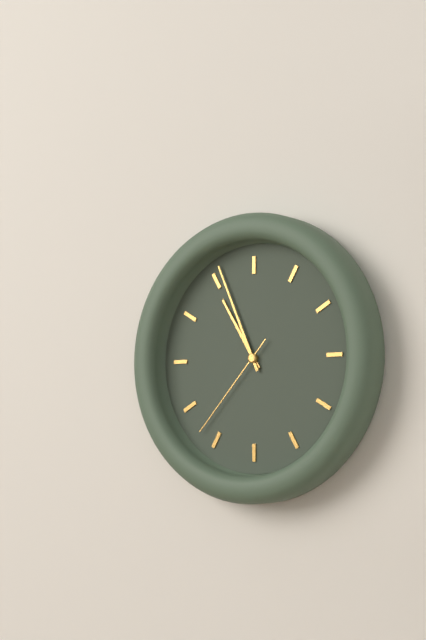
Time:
{"hour": 10, "minute": 56, "second": 37}
